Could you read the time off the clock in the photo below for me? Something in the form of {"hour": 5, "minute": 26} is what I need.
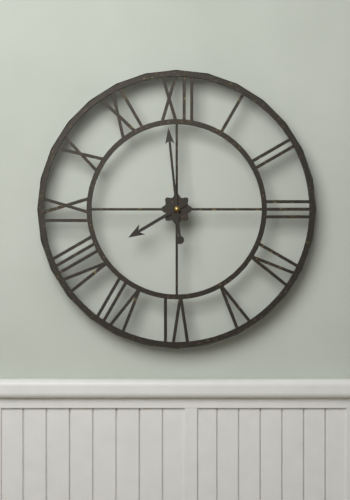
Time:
{"hour": 7, "minute": 59}
